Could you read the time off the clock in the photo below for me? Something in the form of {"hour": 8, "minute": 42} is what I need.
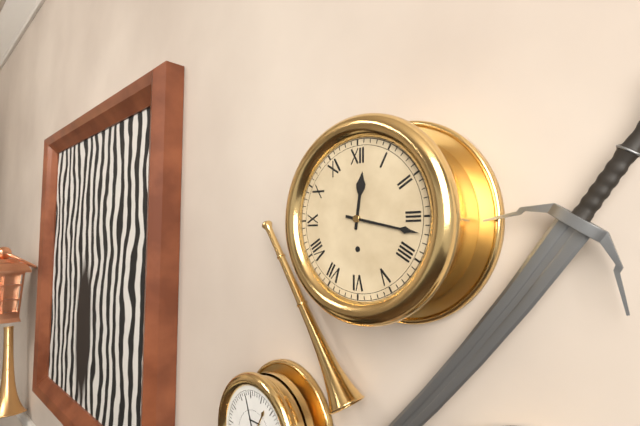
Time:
{"hour": 12, "minute": 17}
